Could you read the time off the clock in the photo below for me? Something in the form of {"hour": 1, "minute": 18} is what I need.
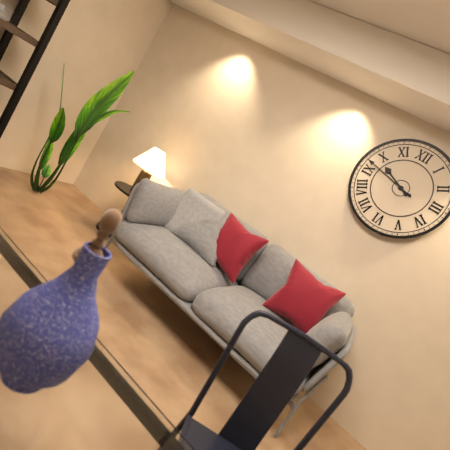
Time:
{"hour": 9, "minute": 47}
